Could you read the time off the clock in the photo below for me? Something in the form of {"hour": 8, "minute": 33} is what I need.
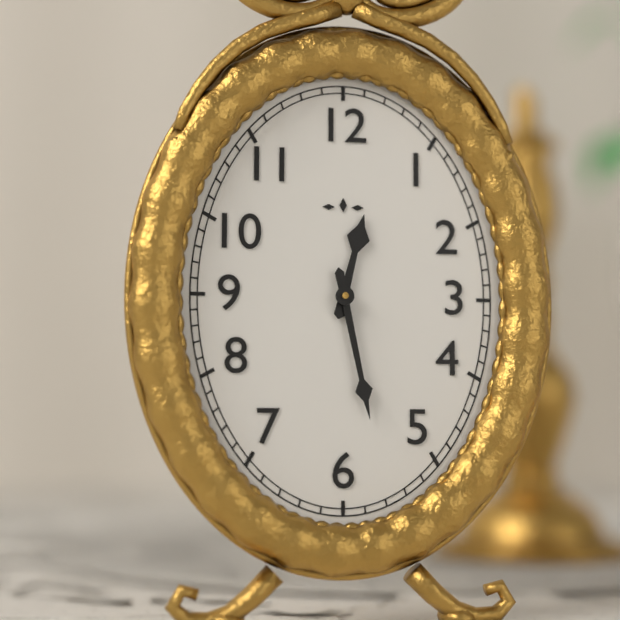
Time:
{"hour": 12, "minute": 28}
